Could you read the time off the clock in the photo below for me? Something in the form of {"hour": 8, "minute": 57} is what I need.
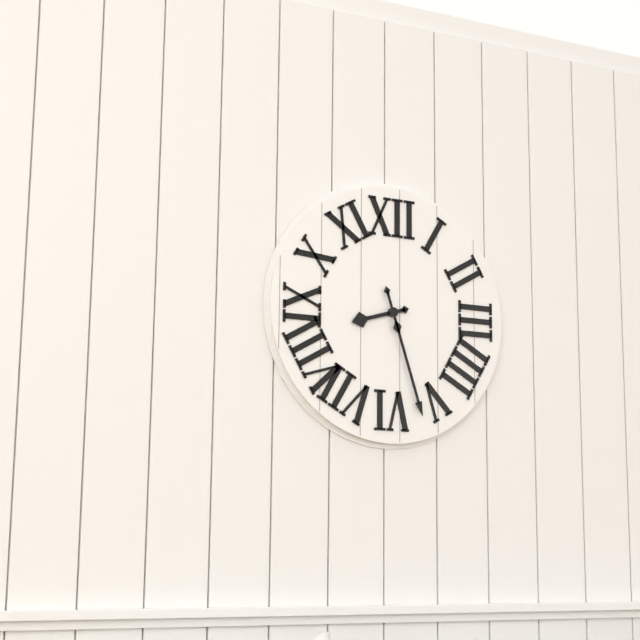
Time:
{"hour": 8, "minute": 27}
